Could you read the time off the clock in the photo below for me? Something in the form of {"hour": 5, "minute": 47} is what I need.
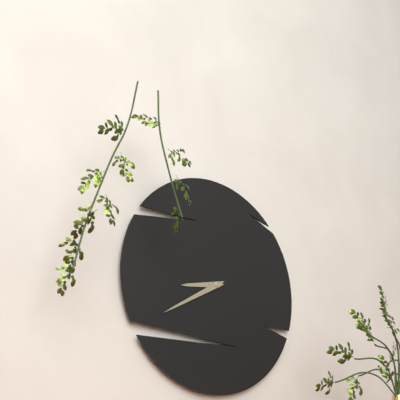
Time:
{"hour": 8, "minute": 40}
